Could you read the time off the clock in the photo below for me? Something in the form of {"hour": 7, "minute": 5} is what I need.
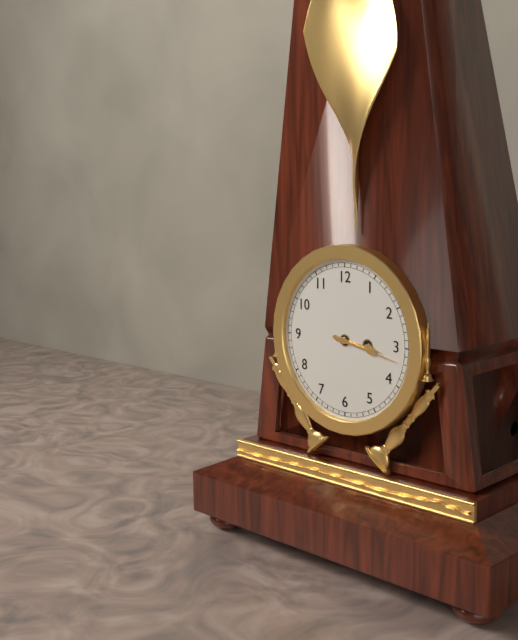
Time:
{"hour": 3, "minute": 17}
